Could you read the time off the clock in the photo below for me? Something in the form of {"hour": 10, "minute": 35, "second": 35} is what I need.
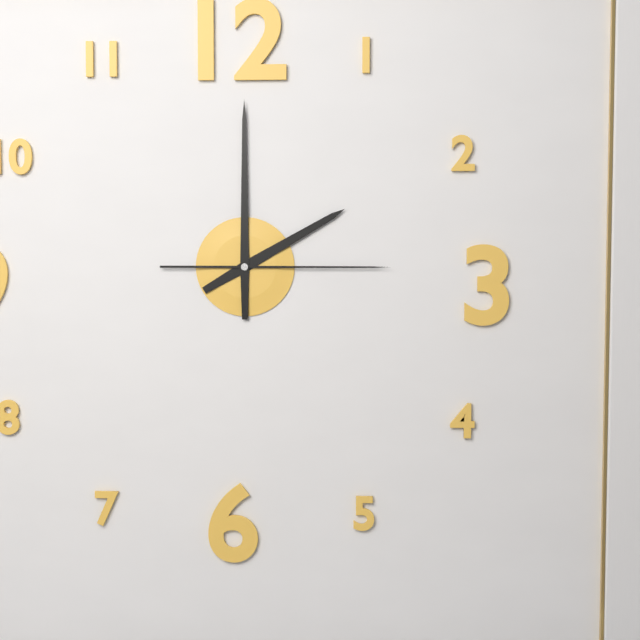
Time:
{"hour": 2, "minute": 0, "second": 15}
